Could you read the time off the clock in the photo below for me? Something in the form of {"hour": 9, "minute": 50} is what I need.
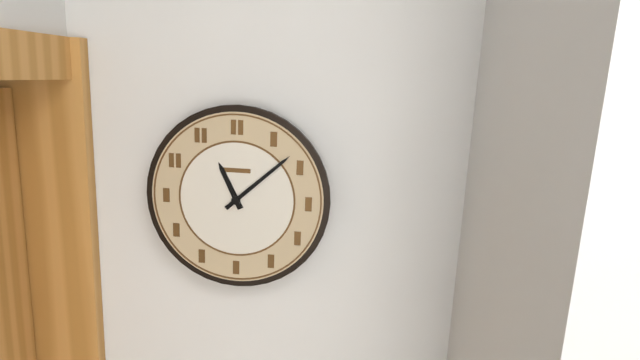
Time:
{"hour": 11, "minute": 8}
